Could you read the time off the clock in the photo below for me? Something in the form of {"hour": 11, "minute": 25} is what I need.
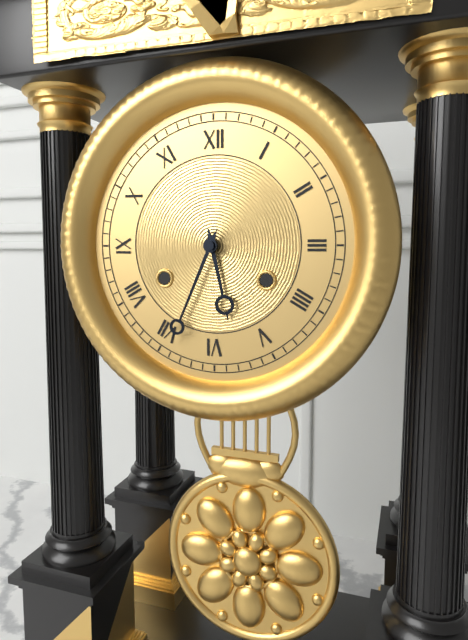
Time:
{"hour": 5, "minute": 34}
